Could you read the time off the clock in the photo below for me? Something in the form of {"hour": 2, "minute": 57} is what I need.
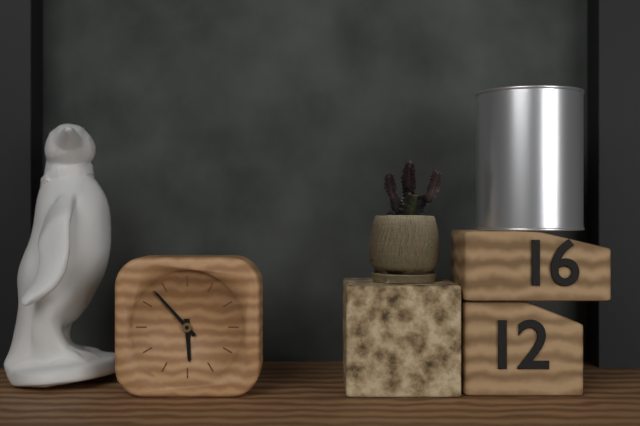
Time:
{"hour": 5, "minute": 53}
